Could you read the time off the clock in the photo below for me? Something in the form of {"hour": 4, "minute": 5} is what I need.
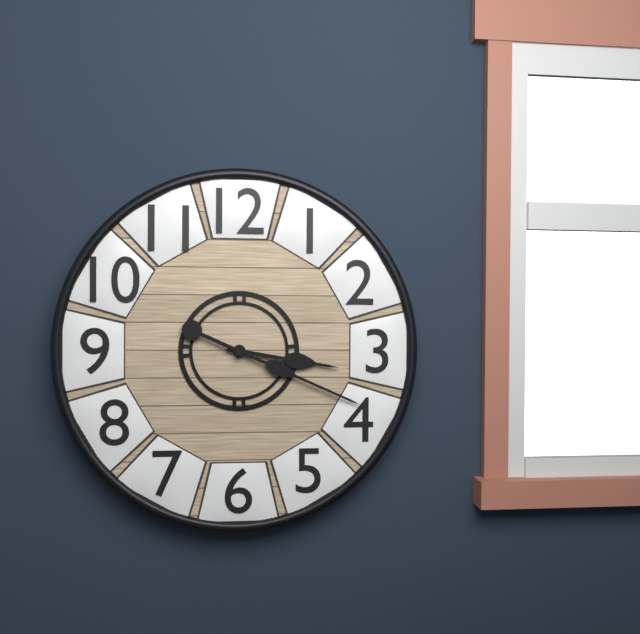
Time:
{"hour": 3, "minute": 19}
